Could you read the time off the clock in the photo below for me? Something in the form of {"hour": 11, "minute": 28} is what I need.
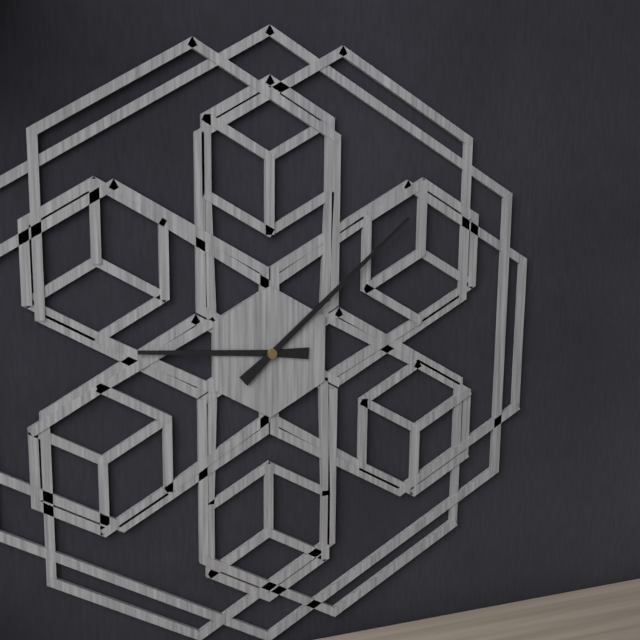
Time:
{"hour": 9, "minute": 8}
